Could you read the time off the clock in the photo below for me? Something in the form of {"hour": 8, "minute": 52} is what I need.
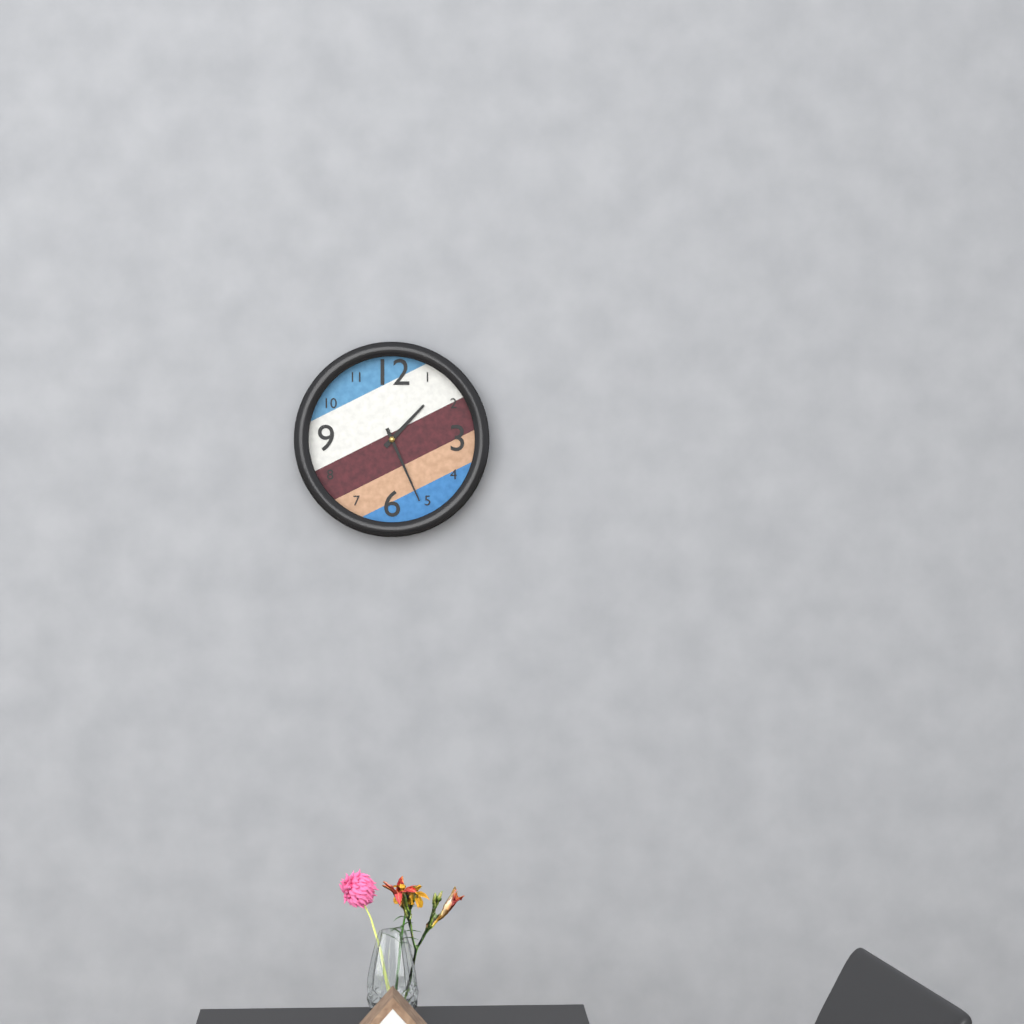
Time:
{"hour": 1, "minute": 26}
